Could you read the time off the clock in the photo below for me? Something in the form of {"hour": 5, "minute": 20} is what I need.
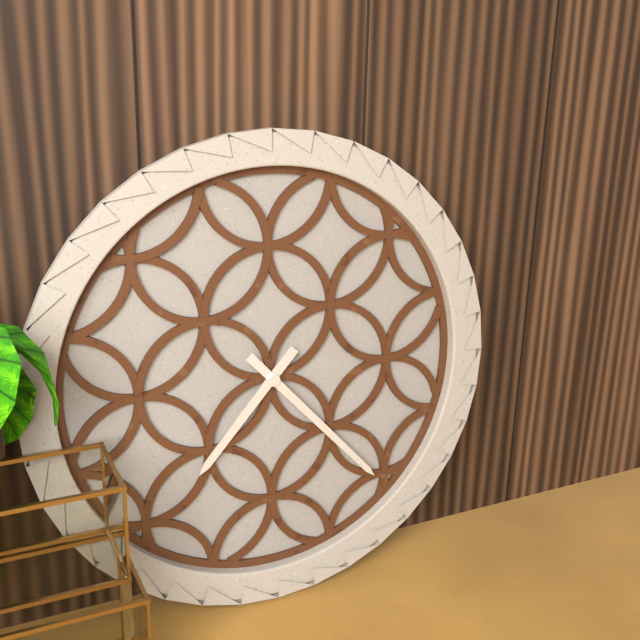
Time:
{"hour": 7, "minute": 23}
